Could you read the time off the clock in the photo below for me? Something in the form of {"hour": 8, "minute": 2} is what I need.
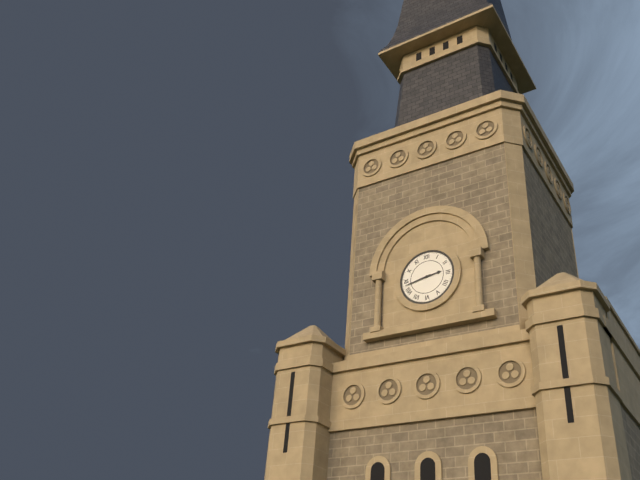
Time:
{"hour": 2, "minute": 43}
